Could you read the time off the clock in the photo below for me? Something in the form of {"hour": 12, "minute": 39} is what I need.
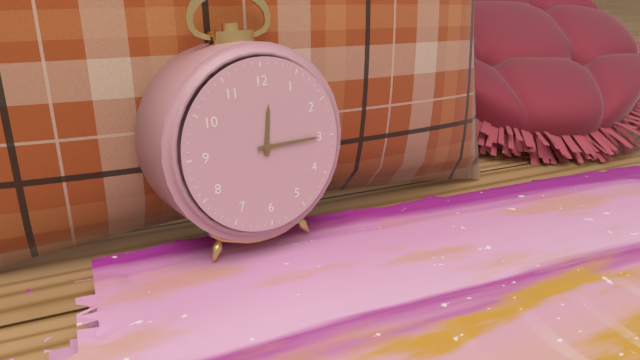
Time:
{"hour": 12, "minute": 15}
